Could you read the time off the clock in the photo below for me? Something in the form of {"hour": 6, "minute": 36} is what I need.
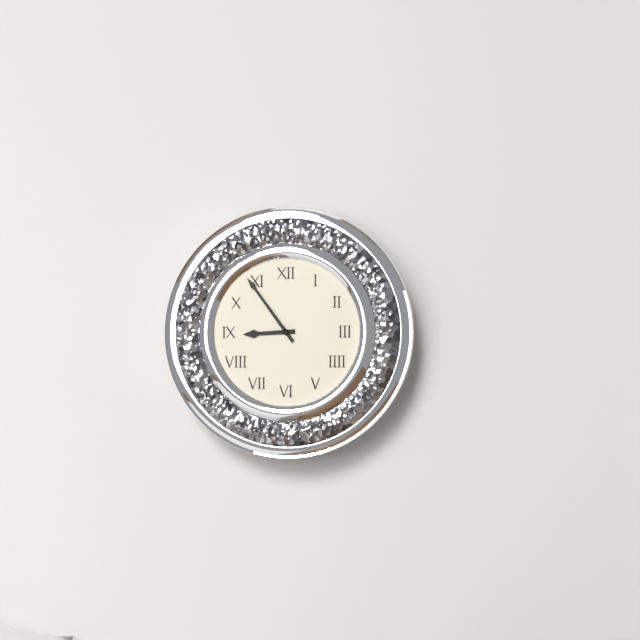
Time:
{"hour": 8, "minute": 54}
